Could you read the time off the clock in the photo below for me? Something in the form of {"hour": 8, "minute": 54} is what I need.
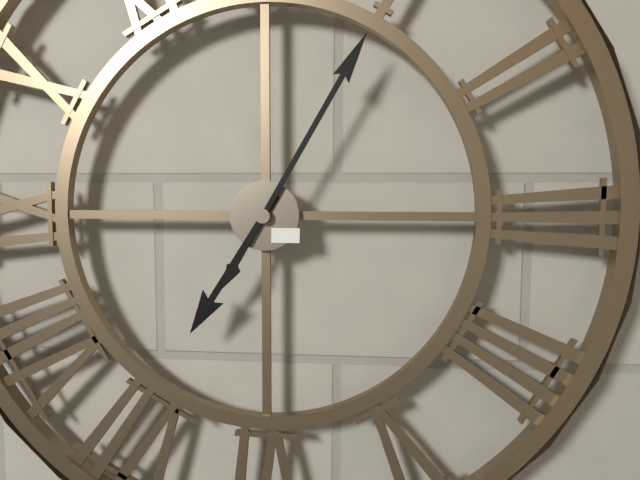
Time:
{"hour": 7, "minute": 5}
